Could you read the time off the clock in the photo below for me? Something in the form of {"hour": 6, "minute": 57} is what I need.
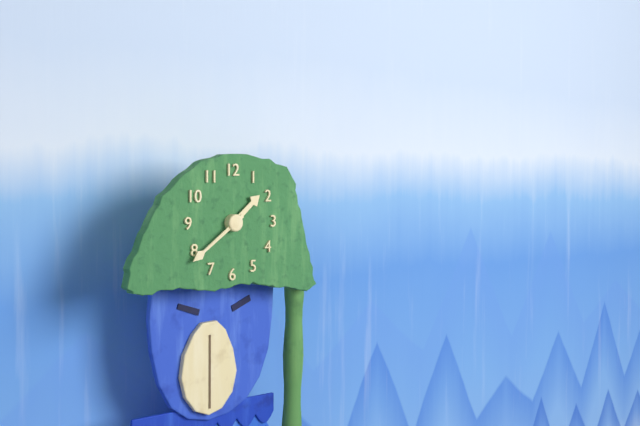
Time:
{"hour": 1, "minute": 39}
